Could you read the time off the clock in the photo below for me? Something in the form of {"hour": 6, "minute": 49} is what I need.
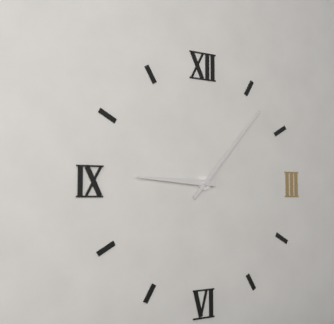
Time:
{"hour": 9, "minute": 7}
